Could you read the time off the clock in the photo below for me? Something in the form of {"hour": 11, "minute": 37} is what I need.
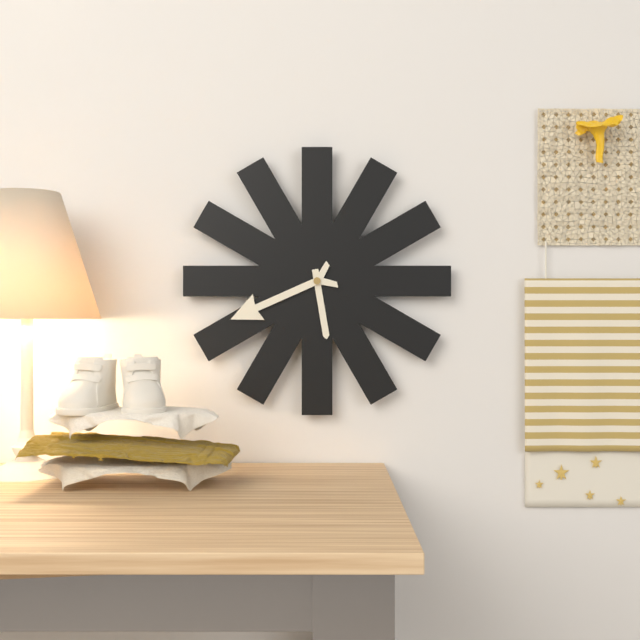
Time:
{"hour": 5, "minute": 41}
